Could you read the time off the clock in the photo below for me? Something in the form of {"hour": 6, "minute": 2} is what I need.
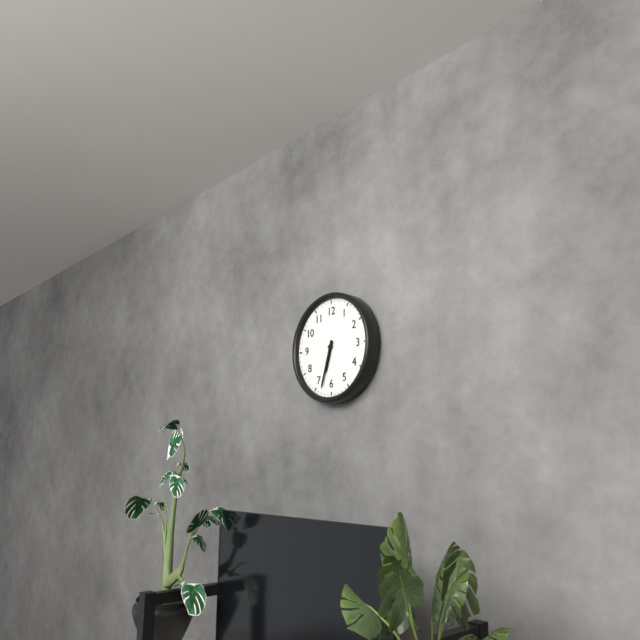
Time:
{"hour": 6, "minute": 33}
